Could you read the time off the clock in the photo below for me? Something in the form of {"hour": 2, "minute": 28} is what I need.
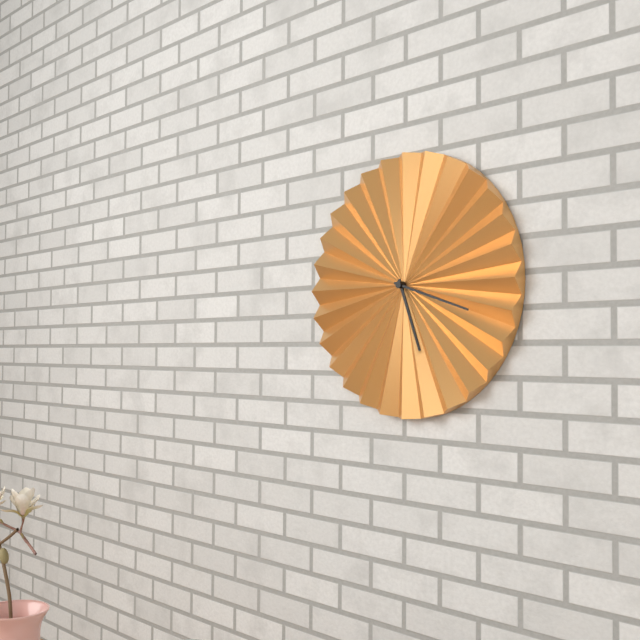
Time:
{"hour": 5, "minute": 18}
